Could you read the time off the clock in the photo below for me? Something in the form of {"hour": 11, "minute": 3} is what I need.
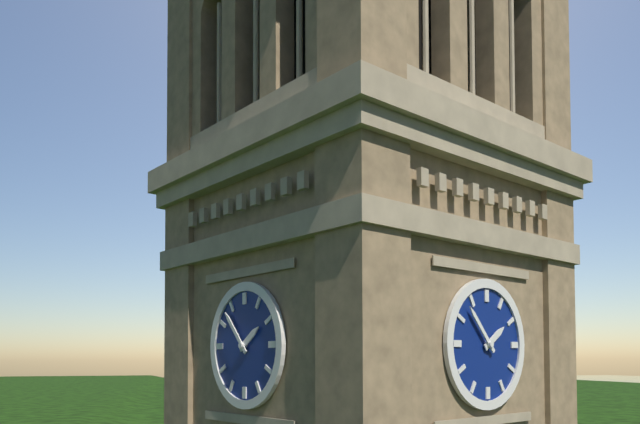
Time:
{"hour": 1, "minute": 53}
